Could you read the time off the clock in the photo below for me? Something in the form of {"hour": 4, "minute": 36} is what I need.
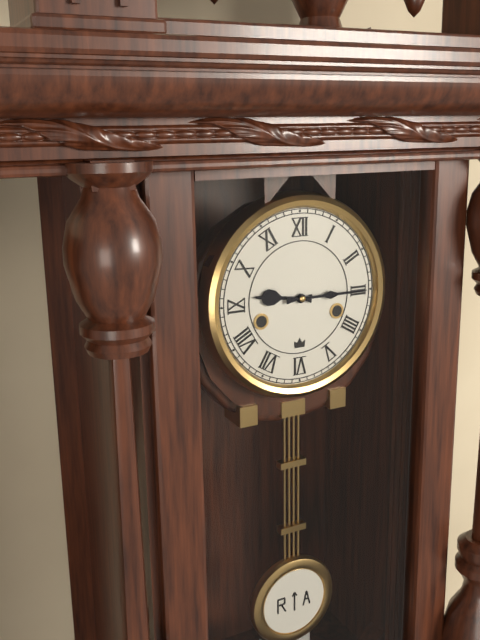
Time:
{"hour": 9, "minute": 15}
